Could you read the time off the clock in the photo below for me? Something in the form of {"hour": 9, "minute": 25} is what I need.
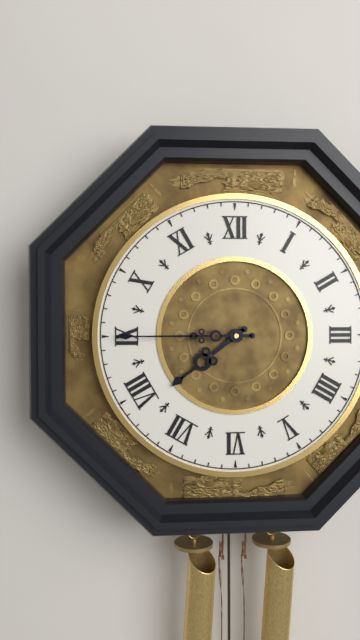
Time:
{"hour": 7, "minute": 45}
